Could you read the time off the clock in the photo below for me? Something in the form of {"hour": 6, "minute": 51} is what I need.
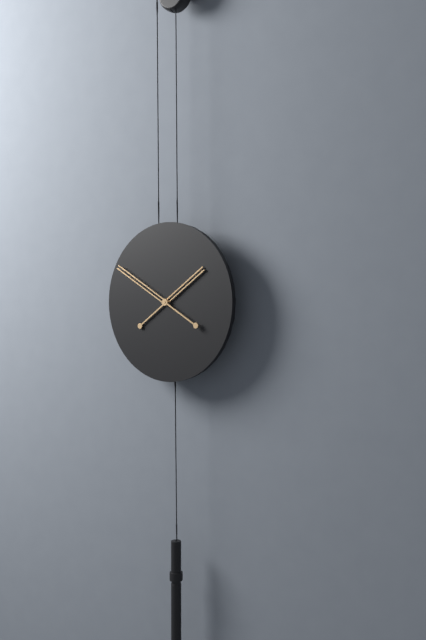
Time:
{"hour": 1, "minute": 50}
